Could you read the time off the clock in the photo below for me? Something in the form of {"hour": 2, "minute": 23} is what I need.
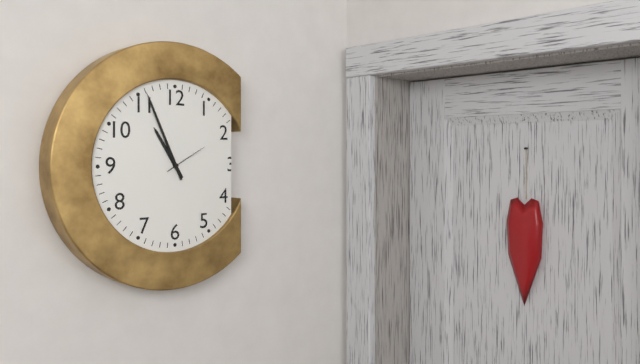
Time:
{"hour": 10, "minute": 56}
